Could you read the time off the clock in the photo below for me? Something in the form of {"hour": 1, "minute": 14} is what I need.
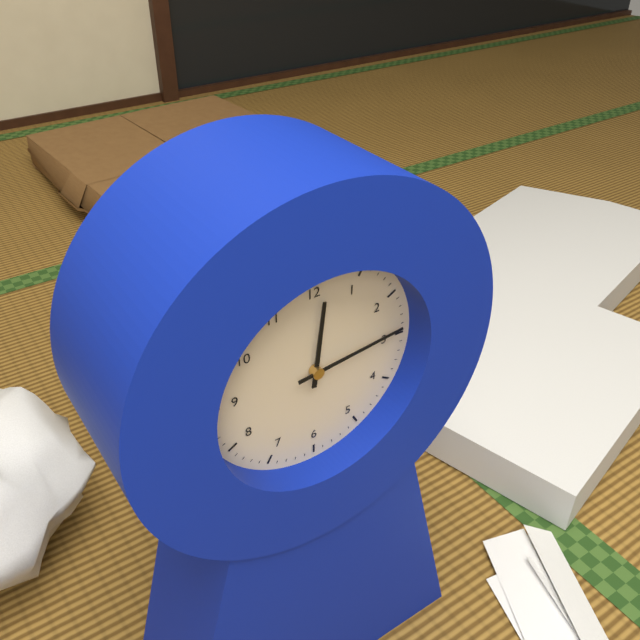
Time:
{"hour": 12, "minute": 14}
